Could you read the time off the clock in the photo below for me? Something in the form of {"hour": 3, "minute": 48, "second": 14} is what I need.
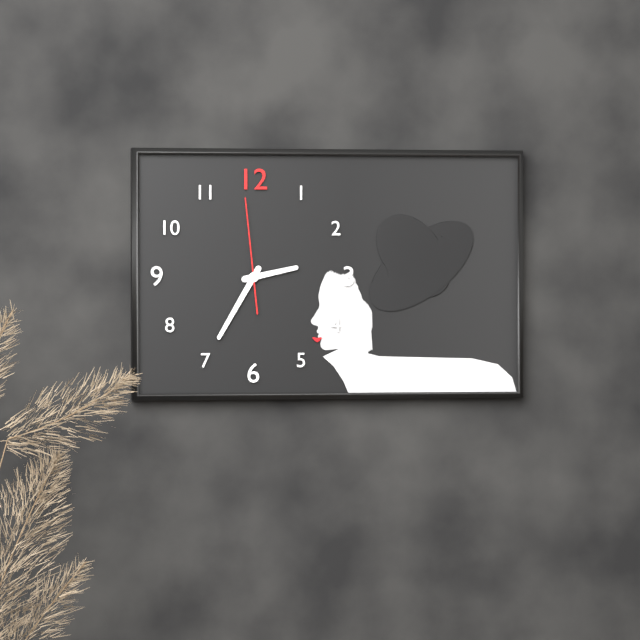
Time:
{"hour": 2, "minute": 35, "second": 59}
